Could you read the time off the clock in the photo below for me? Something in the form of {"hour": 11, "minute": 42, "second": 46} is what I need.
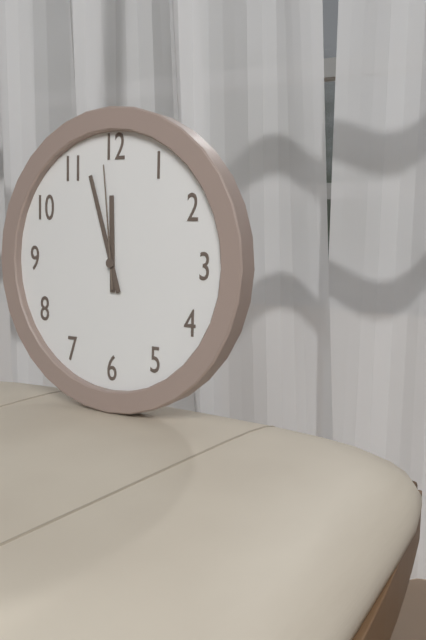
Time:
{"hour": 11, "minute": 57, "second": 59}
